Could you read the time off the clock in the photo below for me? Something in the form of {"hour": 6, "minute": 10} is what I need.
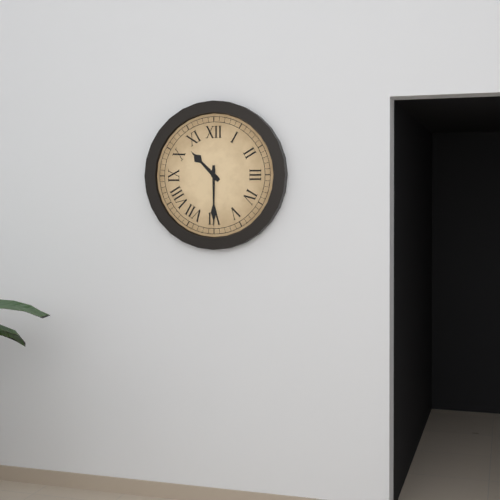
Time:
{"hour": 10, "minute": 30}
